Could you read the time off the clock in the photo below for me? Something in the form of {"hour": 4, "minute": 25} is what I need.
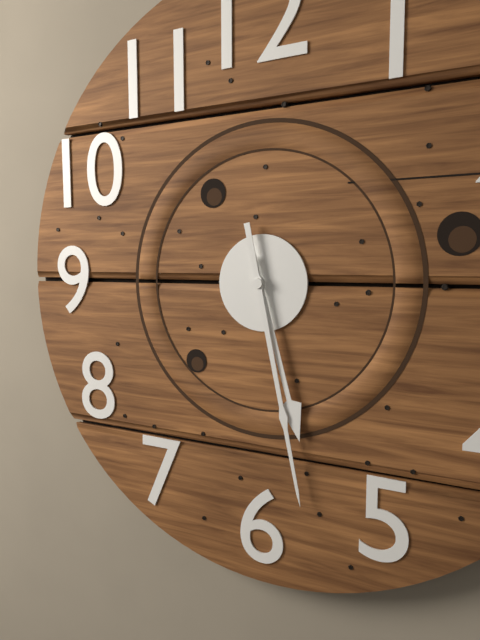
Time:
{"hour": 5, "minute": 28}
